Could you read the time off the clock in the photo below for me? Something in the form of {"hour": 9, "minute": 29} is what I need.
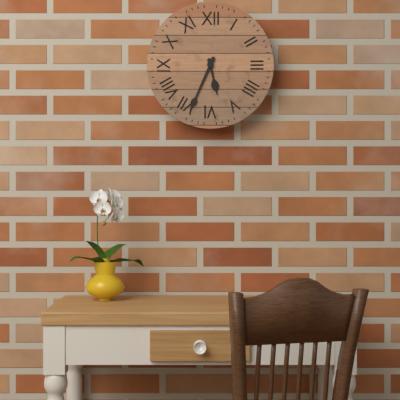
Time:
{"hour": 5, "minute": 34}
